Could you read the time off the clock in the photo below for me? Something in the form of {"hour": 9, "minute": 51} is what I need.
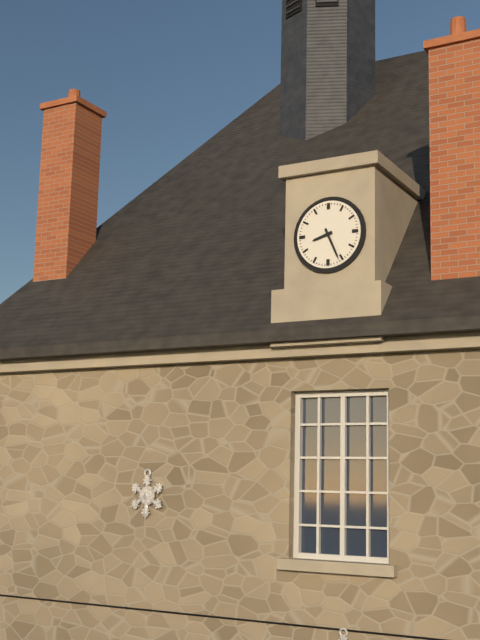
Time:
{"hour": 8, "minute": 26}
